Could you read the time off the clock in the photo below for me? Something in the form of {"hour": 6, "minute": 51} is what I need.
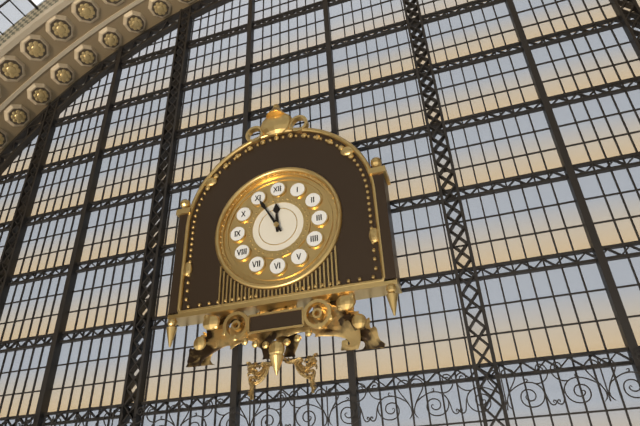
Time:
{"hour": 11, "minute": 55}
